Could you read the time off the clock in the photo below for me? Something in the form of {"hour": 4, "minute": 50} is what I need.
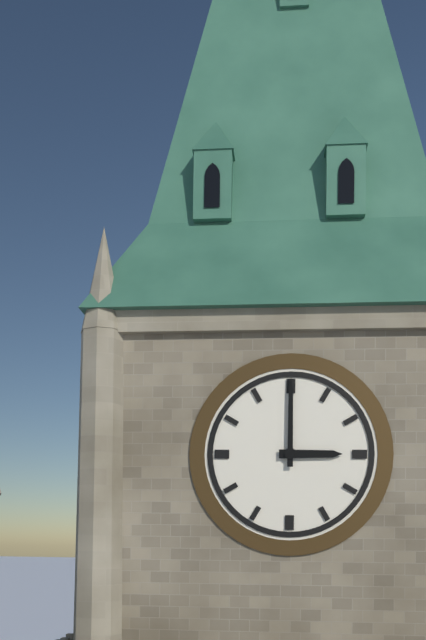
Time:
{"hour": 3, "minute": 0}
